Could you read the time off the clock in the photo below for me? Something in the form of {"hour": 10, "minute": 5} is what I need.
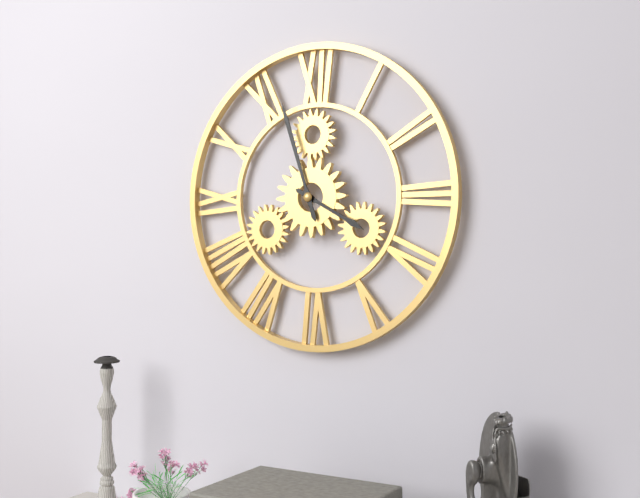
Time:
{"hour": 3, "minute": 57}
